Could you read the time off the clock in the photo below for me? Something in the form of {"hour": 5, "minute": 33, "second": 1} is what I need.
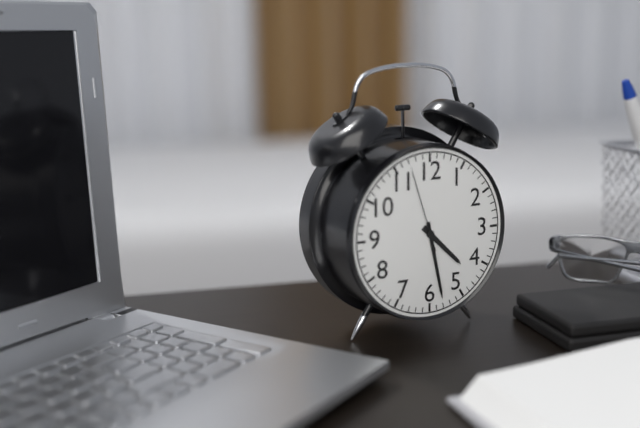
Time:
{"hour": 4, "minute": 28, "second": 57}
